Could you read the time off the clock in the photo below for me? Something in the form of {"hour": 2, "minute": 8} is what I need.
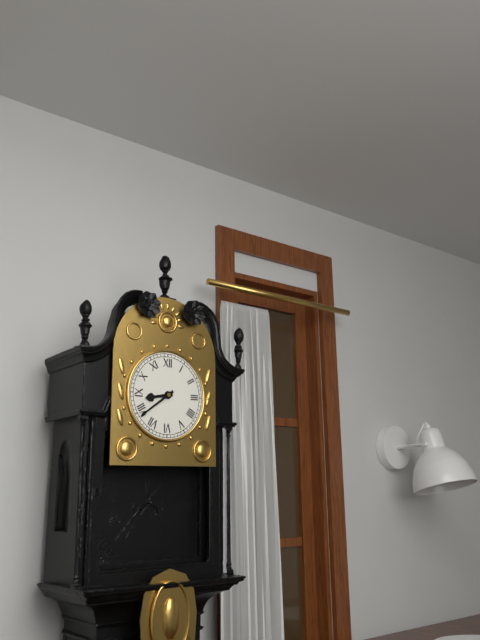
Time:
{"hour": 8, "minute": 39}
